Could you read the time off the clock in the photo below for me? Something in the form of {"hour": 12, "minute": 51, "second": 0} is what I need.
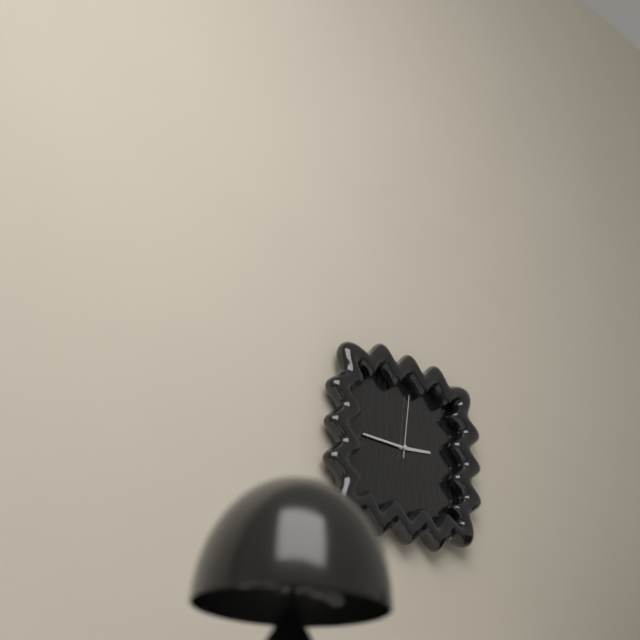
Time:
{"hour": 2, "minute": 45, "second": 1}
